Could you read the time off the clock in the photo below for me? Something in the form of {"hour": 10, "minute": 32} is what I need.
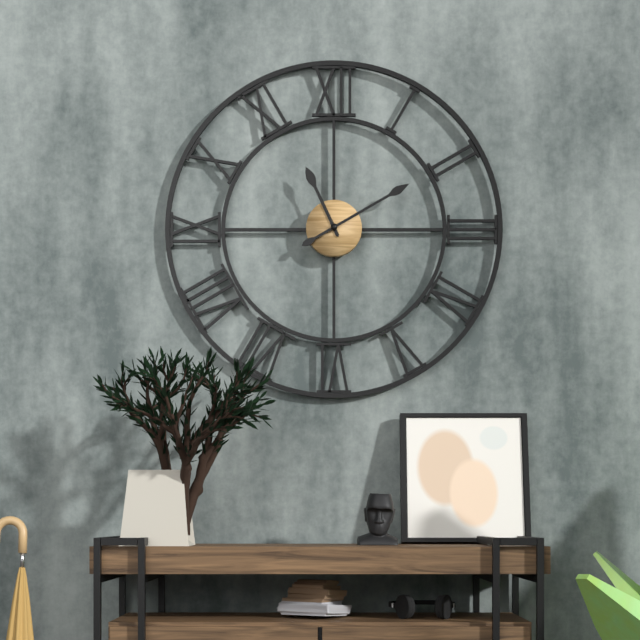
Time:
{"hour": 11, "minute": 10}
